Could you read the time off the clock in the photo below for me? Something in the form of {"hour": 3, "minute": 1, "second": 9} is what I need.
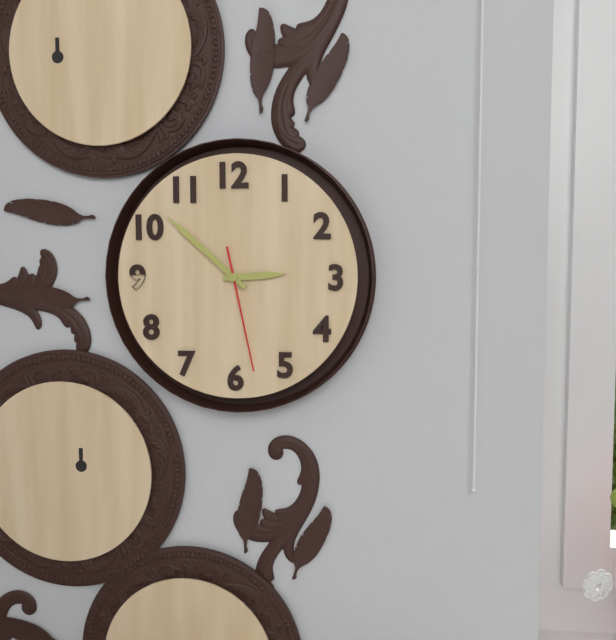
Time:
{"hour": 2, "minute": 52, "second": 28}
